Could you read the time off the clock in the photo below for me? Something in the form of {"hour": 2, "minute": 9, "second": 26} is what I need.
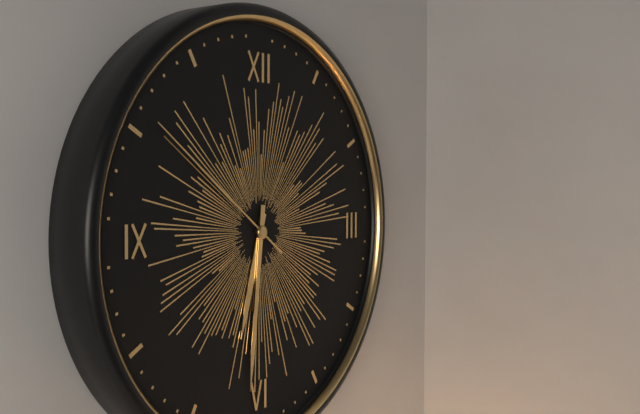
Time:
{"hour": 6, "minute": 31, "second": 51}
